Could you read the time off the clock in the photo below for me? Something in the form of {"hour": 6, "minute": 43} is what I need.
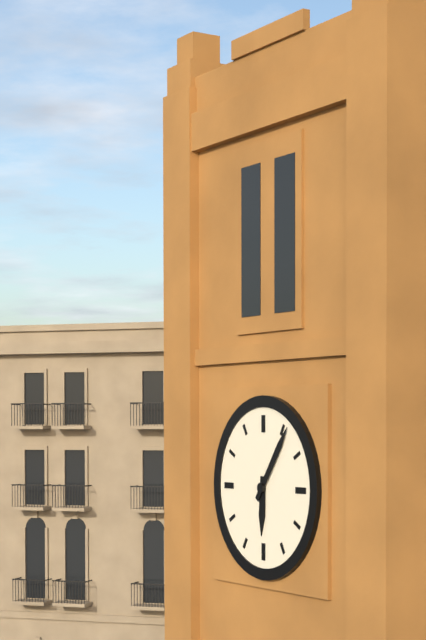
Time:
{"hour": 6, "minute": 6}
